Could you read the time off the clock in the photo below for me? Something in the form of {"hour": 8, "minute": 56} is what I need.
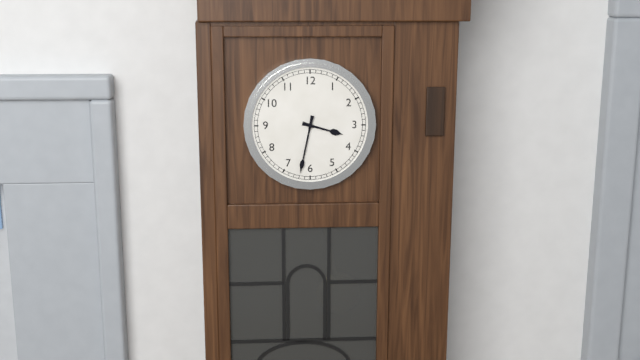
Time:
{"hour": 3, "minute": 32}
